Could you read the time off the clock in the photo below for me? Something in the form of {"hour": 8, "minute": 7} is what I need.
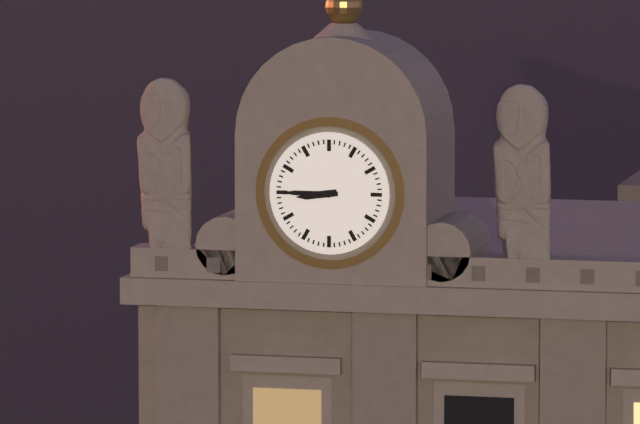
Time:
{"hour": 8, "minute": 45}
